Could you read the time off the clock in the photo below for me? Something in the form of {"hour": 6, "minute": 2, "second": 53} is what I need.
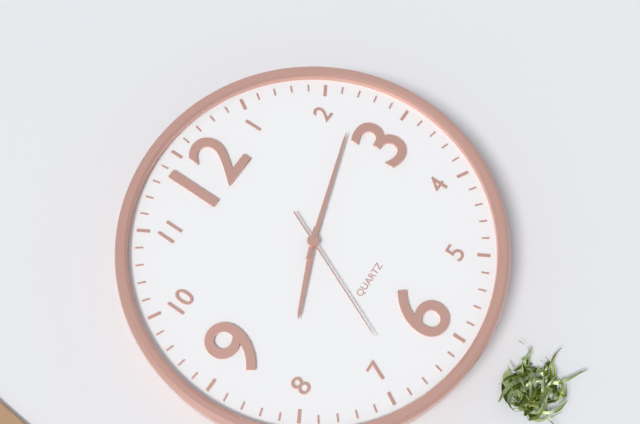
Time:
{"hour": 8, "minute": 12, "second": 34}
